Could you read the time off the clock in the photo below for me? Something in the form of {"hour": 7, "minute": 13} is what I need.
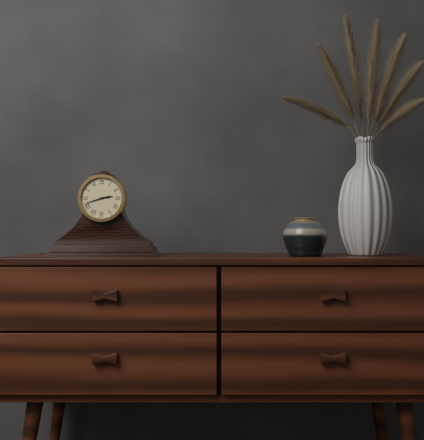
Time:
{"hour": 2, "minute": 42}
